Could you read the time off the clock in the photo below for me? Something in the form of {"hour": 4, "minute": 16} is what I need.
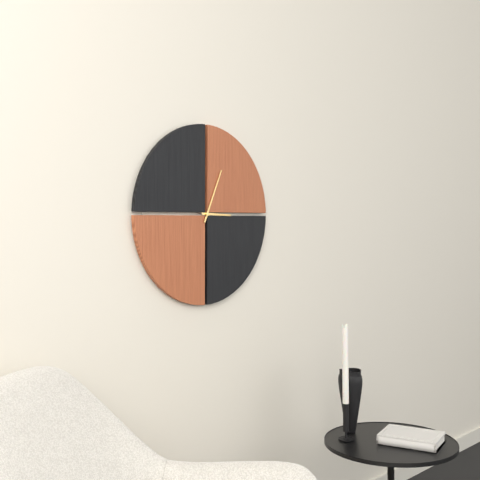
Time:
{"hour": 3, "minute": 4}
